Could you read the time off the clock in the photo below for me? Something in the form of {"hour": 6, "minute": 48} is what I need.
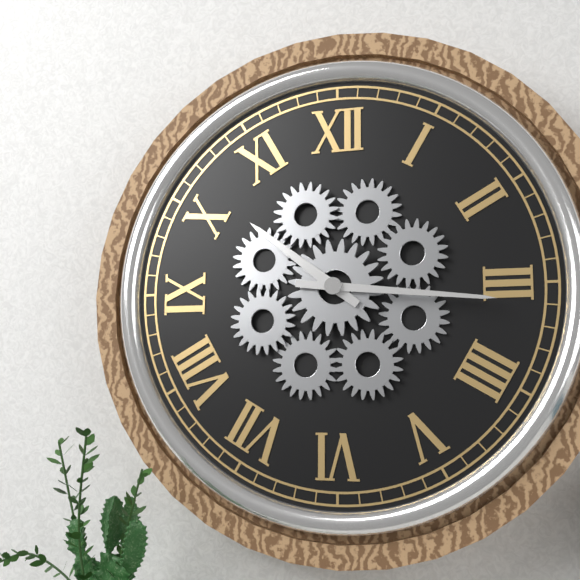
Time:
{"hour": 10, "minute": 16}
